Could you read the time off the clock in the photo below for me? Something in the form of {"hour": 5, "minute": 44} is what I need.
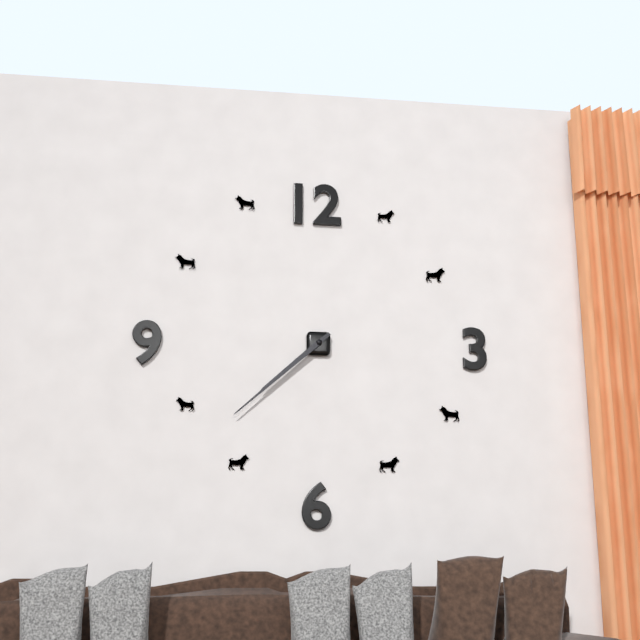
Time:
{"hour": 7, "minute": 38}
